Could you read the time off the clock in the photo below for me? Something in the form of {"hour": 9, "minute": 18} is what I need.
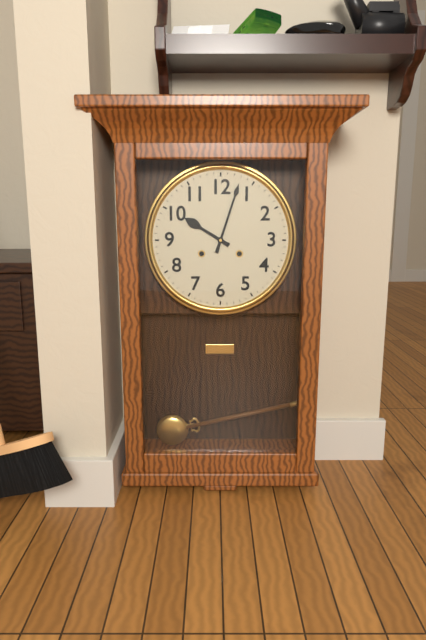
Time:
{"hour": 10, "minute": 3}
